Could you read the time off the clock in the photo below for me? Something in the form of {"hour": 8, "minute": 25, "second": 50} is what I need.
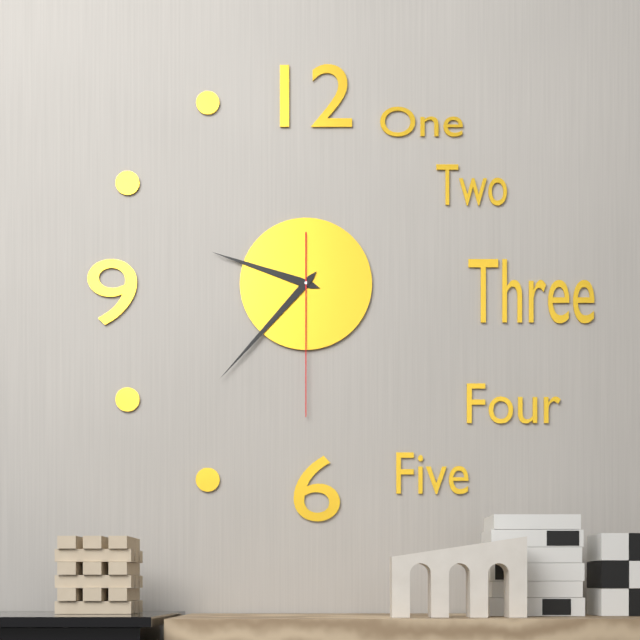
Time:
{"hour": 9, "minute": 37, "second": 30}
